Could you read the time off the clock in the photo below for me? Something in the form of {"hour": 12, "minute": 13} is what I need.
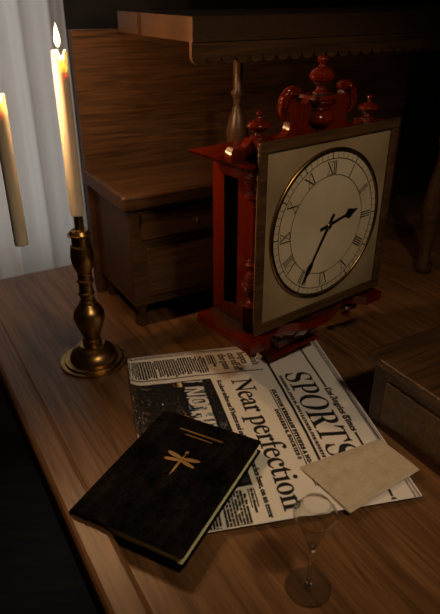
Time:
{"hour": 2, "minute": 35}
